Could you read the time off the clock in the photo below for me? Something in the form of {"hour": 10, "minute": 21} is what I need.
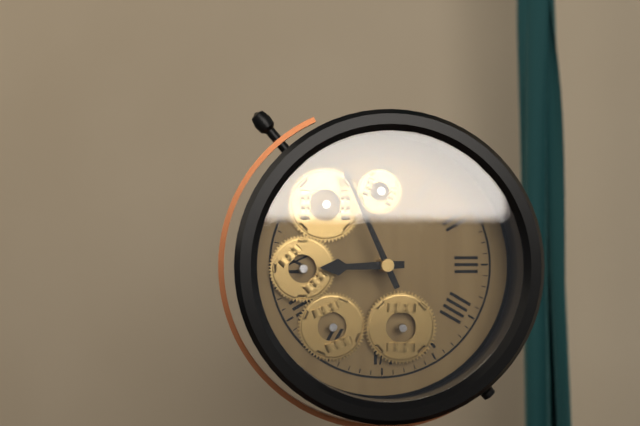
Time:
{"hour": 8, "minute": 56}
